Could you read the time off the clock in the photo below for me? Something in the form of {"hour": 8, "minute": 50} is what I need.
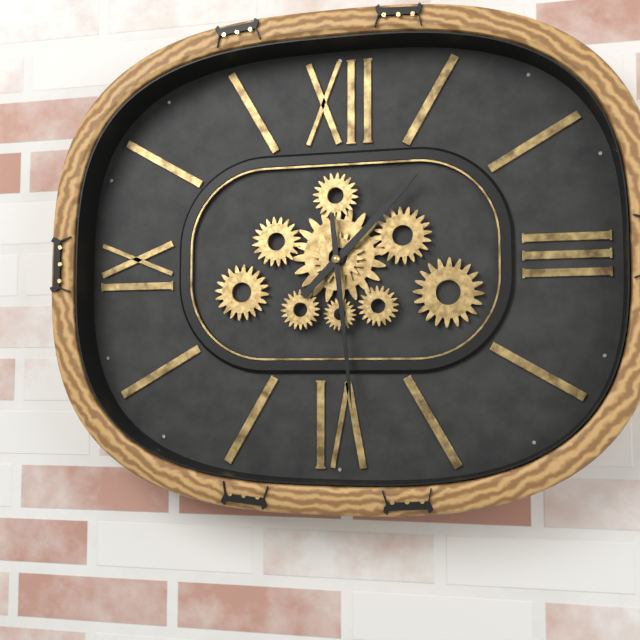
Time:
{"hour": 1, "minute": 29}
